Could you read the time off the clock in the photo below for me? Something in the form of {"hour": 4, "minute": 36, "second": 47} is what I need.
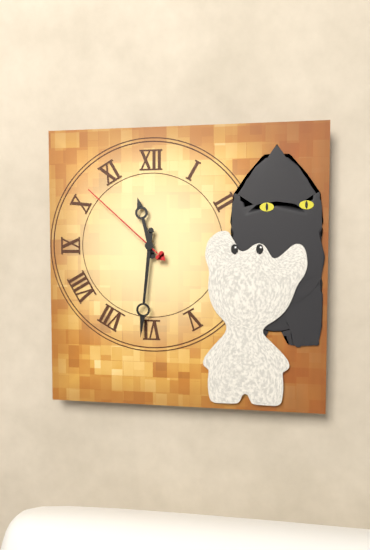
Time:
{"hour": 11, "minute": 31, "second": 52}
